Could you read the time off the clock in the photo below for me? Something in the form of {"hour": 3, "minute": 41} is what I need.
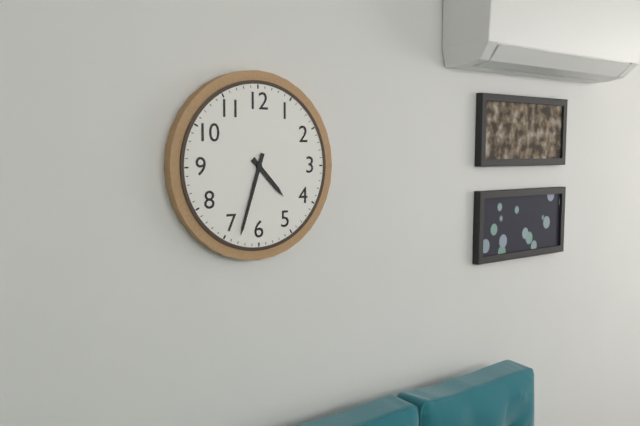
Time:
{"hour": 4, "minute": 33}
